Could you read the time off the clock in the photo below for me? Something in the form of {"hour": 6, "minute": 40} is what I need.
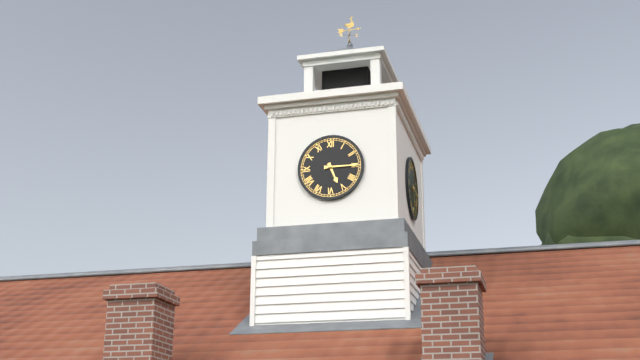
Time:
{"hour": 5, "minute": 15}
